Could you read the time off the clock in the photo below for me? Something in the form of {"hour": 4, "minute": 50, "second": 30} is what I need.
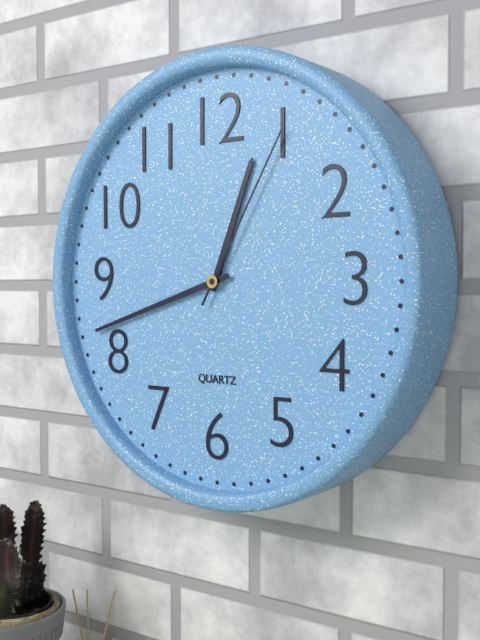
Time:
{"hour": 12, "minute": 42, "second": 5}
